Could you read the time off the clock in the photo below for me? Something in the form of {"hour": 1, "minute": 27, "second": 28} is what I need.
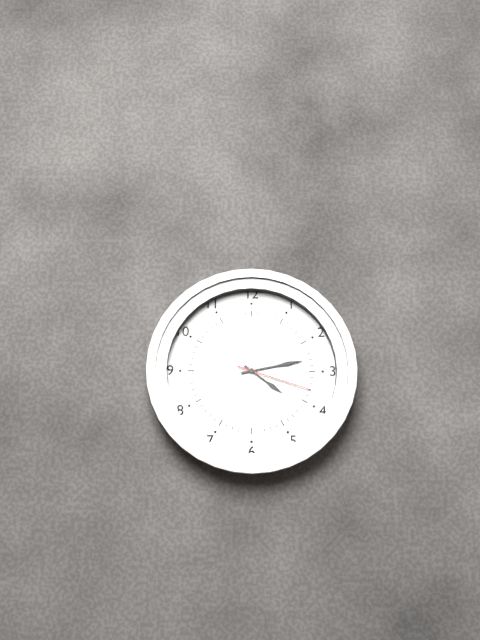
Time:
{"hour": 4, "minute": 13, "second": 18}
